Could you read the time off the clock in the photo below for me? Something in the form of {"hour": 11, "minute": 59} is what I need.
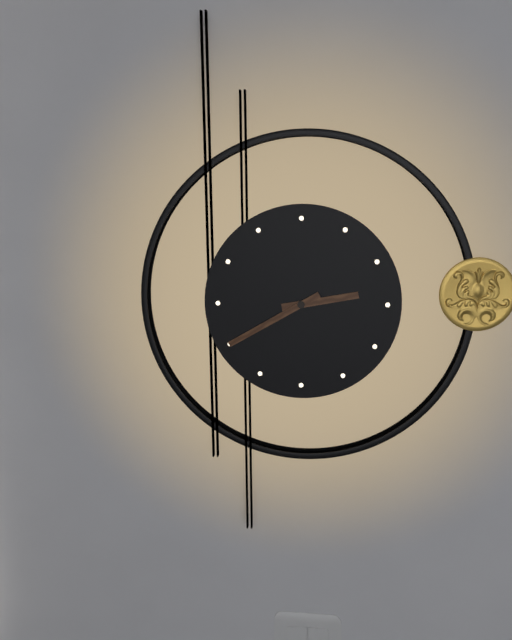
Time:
{"hour": 2, "minute": 40}
